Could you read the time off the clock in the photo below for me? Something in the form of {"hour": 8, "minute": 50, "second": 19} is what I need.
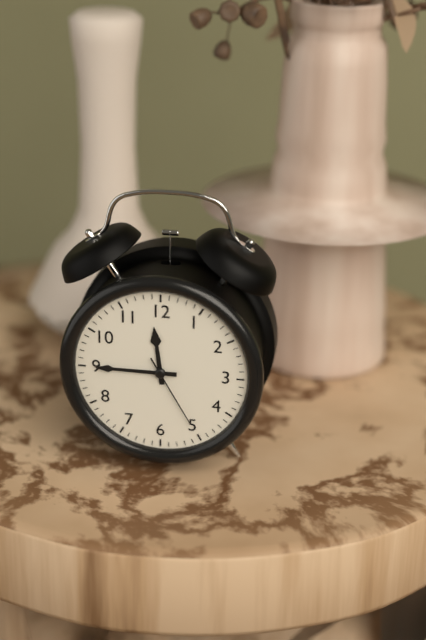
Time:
{"hour": 11, "minute": 45, "second": 25}
